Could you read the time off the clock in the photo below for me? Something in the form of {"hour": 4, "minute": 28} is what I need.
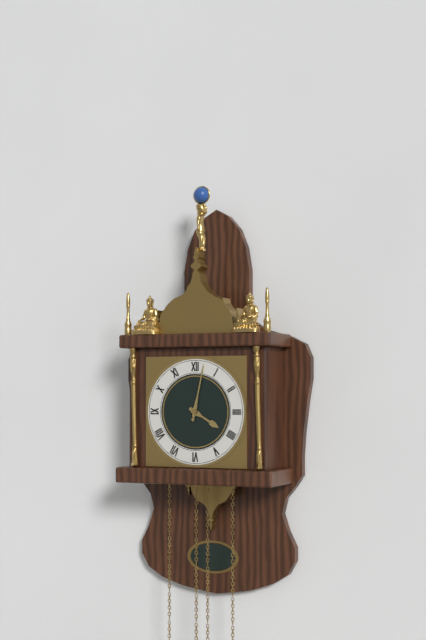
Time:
{"hour": 4, "minute": 2}
